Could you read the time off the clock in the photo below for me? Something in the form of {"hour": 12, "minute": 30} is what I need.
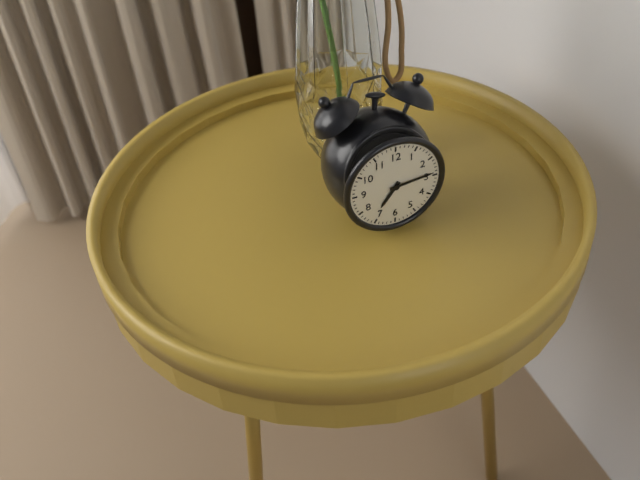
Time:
{"hour": 7, "minute": 14}
